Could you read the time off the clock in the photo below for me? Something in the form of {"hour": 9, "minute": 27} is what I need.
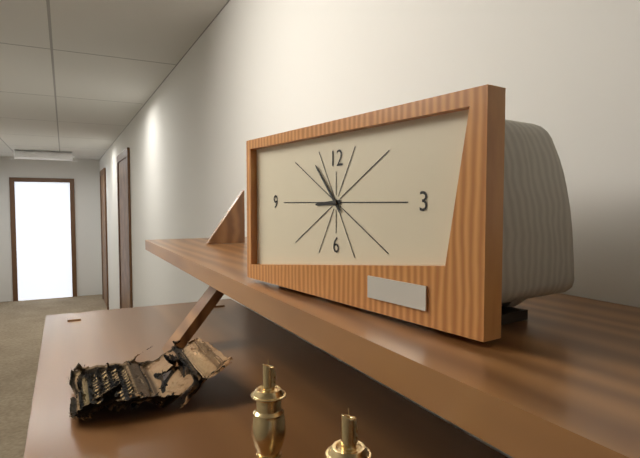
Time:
{"hour": 8, "minute": 53}
